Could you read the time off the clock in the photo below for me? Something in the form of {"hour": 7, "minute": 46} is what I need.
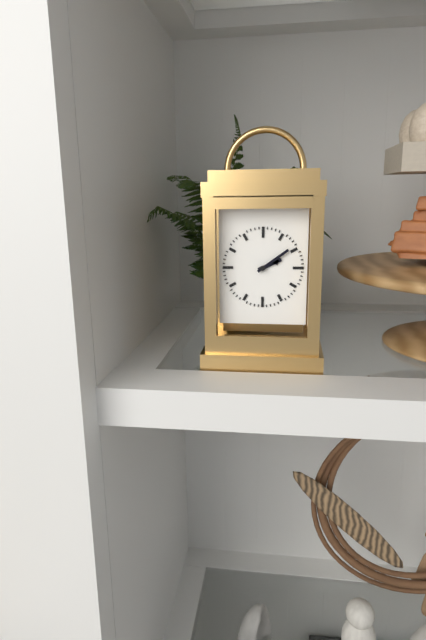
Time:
{"hour": 2, "minute": 9}
